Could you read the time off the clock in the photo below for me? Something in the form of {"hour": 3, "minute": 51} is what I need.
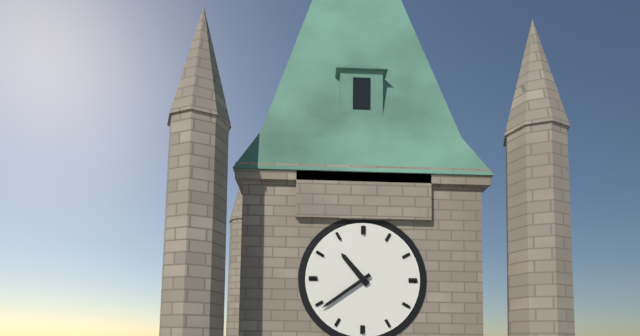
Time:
{"hour": 10, "minute": 39}
